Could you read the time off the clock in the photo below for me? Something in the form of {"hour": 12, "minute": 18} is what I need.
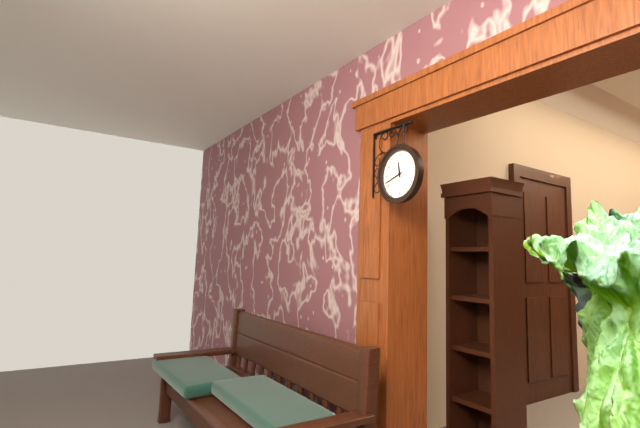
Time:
{"hour": 11, "minute": 42}
